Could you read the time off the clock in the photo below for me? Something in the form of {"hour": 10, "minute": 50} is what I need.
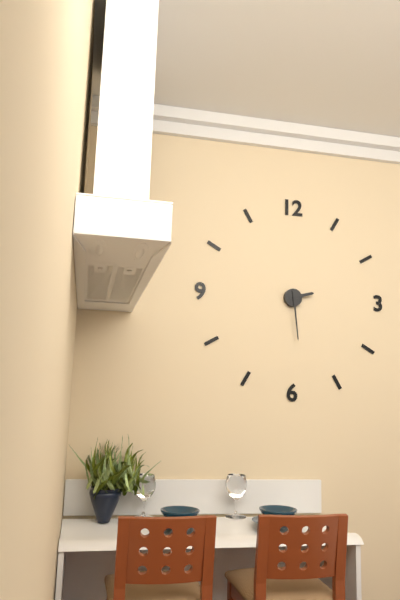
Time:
{"hour": 2, "minute": 29}
